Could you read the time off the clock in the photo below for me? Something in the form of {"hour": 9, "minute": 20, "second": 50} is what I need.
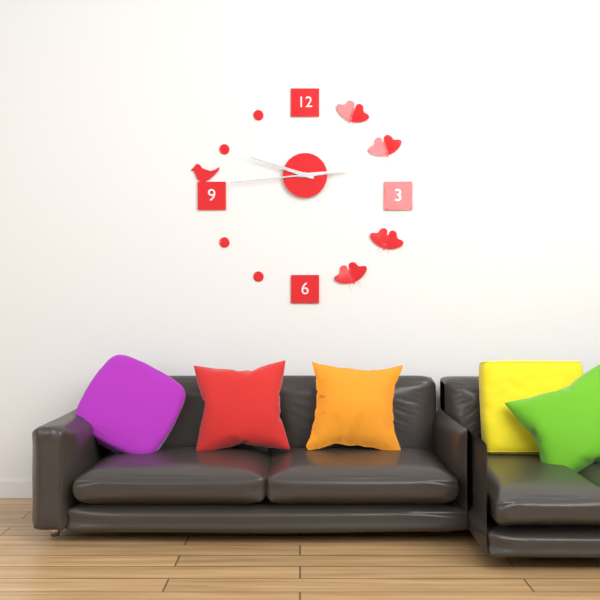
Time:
{"hour": 2, "minute": 48, "second": 44}
